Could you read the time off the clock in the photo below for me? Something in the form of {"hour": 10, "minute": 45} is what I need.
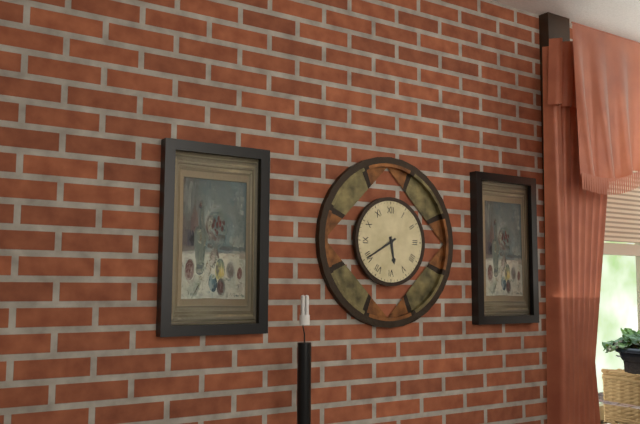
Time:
{"hour": 5, "minute": 40}
